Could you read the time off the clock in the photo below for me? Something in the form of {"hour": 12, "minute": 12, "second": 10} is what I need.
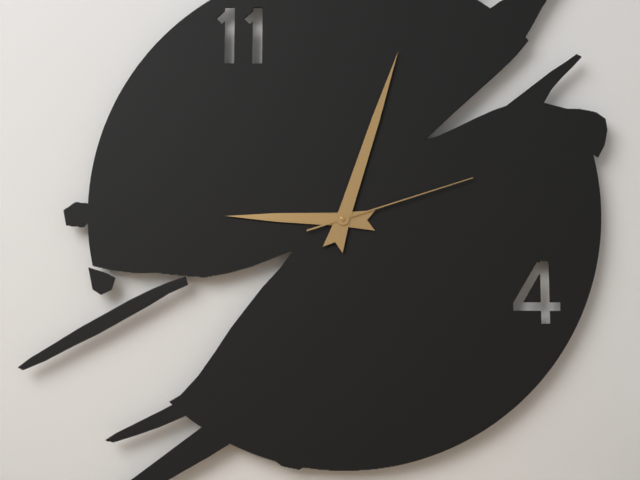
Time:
{"hour": 9, "minute": 3, "second": 12}
